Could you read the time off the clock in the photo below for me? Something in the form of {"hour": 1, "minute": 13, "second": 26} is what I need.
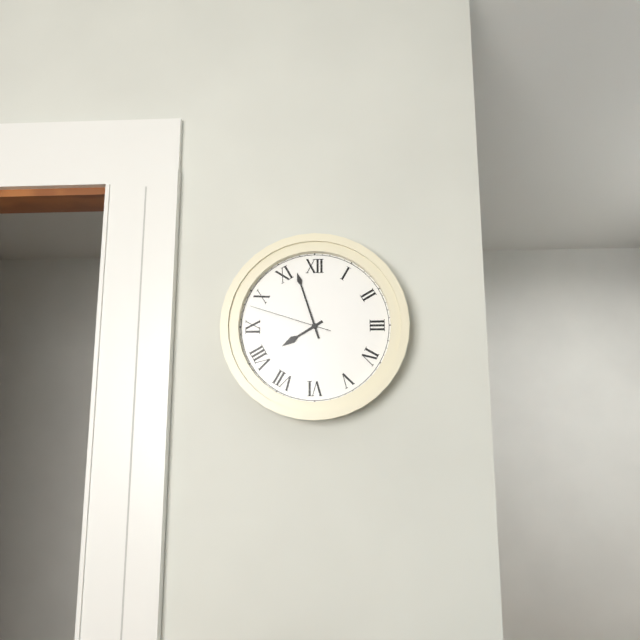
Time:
{"hour": 7, "minute": 57, "second": 48}
